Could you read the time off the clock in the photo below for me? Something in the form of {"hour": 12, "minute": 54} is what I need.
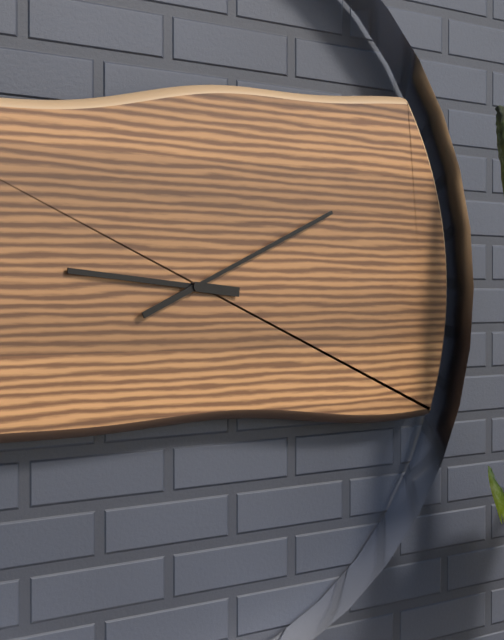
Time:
{"hour": 9, "minute": 11}
